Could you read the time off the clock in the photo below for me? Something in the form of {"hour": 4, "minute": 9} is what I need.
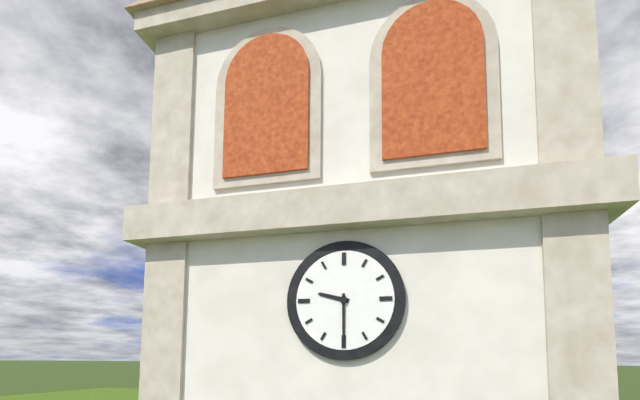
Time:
{"hour": 9, "minute": 30}
